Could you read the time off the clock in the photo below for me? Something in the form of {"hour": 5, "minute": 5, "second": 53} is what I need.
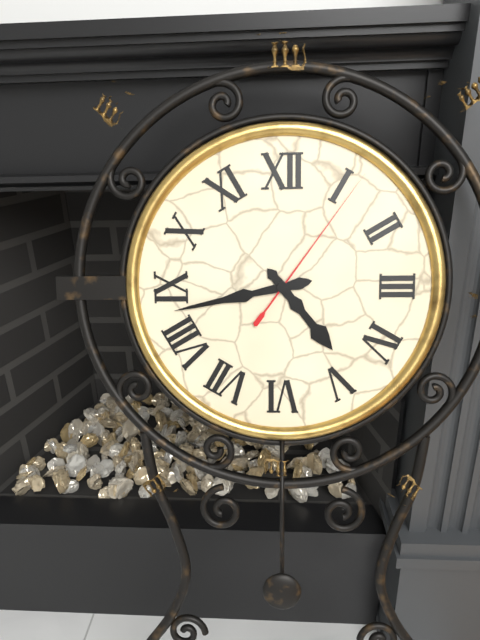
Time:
{"hour": 4, "minute": 43, "second": 6}
